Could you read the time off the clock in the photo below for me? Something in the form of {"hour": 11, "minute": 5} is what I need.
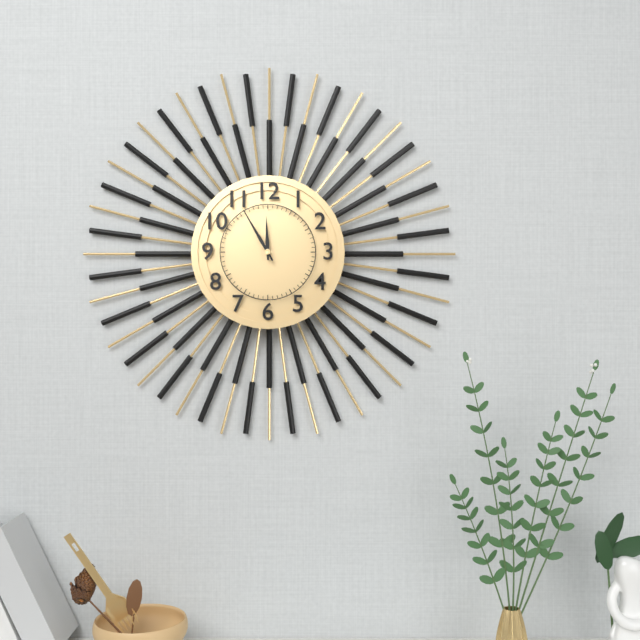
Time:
{"hour": 11, "minute": 55}
